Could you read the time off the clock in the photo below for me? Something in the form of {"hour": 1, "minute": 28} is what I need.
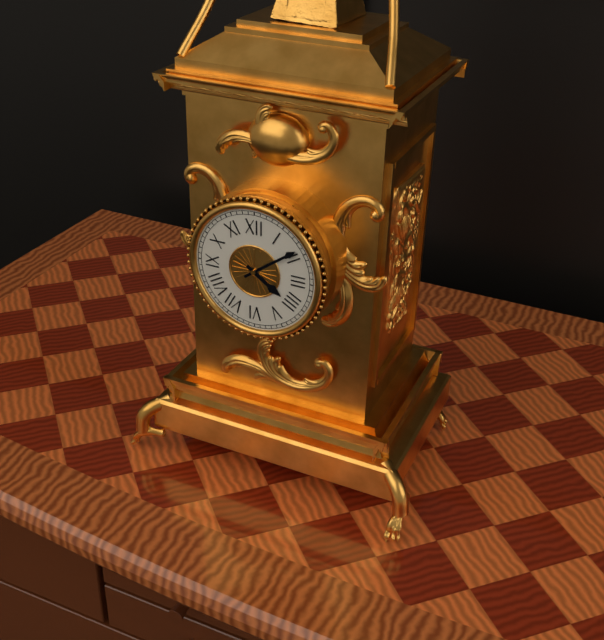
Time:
{"hour": 4, "minute": 9}
